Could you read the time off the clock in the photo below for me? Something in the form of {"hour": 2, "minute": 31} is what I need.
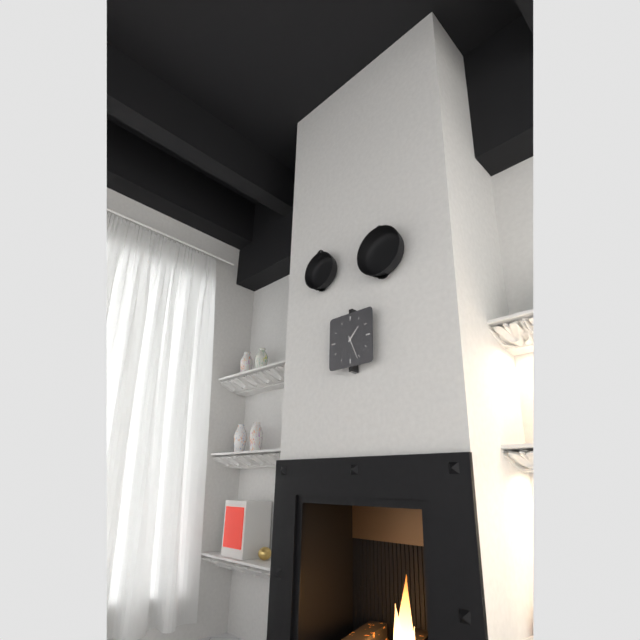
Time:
{"hour": 1, "minute": 26}
